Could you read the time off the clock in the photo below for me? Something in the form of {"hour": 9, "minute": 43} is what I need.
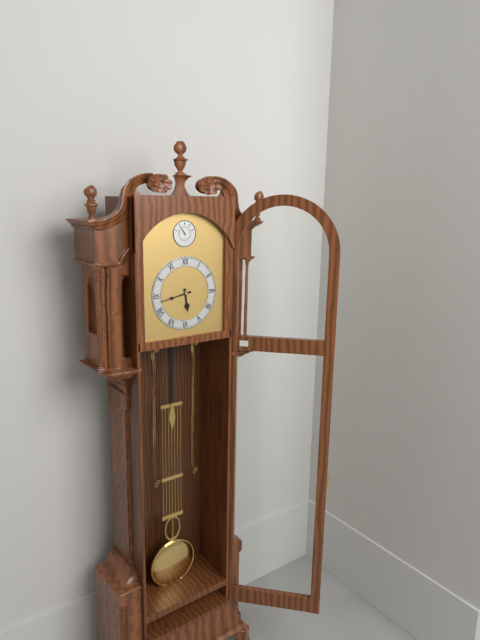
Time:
{"hour": 5, "minute": 43}
